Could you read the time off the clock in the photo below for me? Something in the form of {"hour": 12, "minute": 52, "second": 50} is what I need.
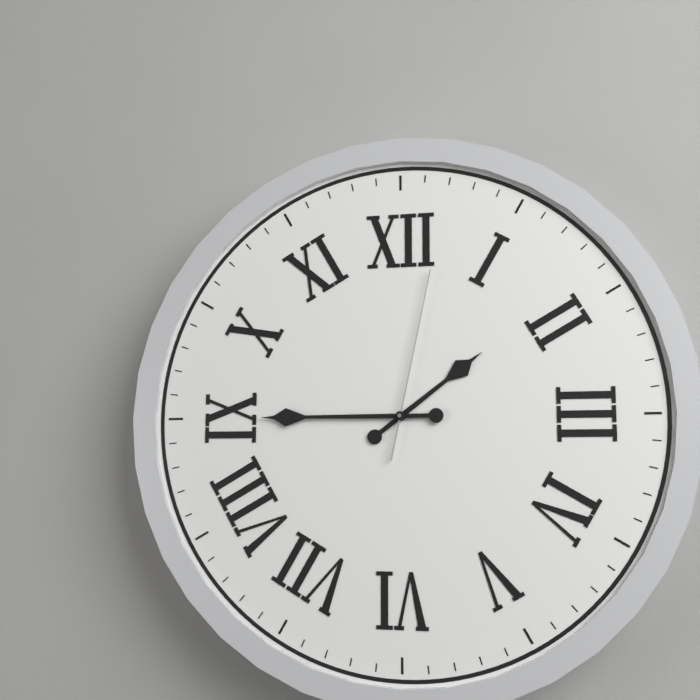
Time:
{"hour": 1, "minute": 45, "second": 2}
